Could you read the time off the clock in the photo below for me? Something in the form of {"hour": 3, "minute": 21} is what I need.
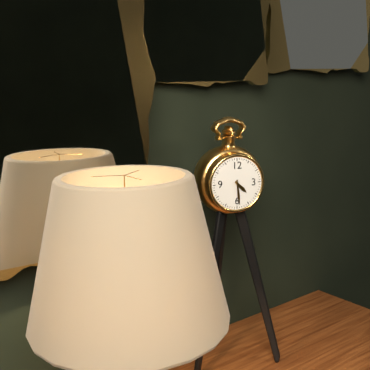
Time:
{"hour": 4, "minute": 29}
